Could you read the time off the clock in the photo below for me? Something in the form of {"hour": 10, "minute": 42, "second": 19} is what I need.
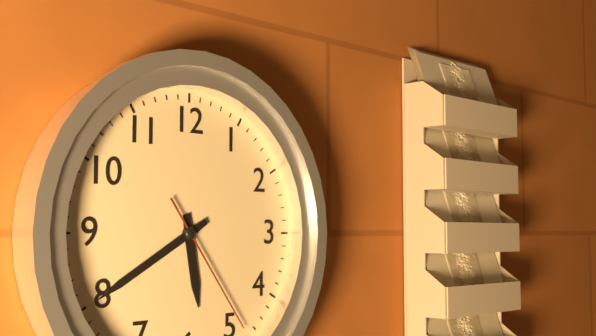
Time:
{"hour": 5, "minute": 40, "second": 24}
